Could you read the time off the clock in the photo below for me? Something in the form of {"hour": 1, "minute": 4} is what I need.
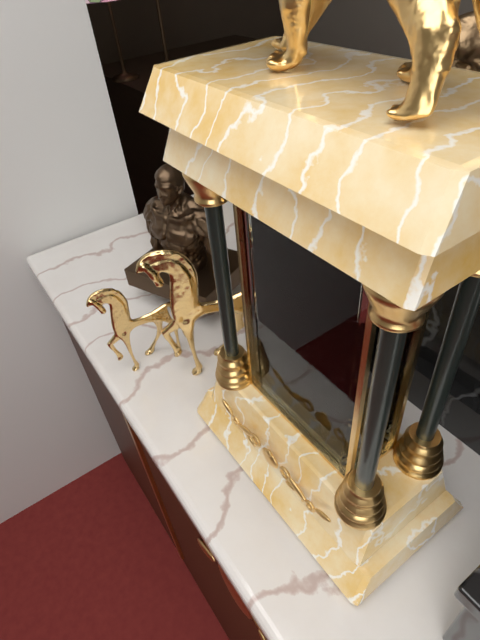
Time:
{"hour": 11, "minute": 59}
